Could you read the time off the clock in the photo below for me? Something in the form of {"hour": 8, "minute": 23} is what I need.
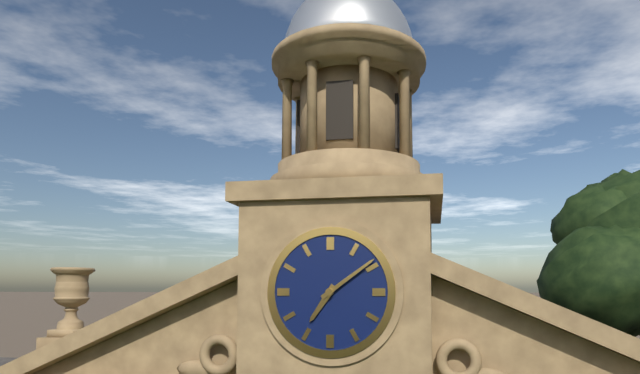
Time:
{"hour": 7, "minute": 9}
